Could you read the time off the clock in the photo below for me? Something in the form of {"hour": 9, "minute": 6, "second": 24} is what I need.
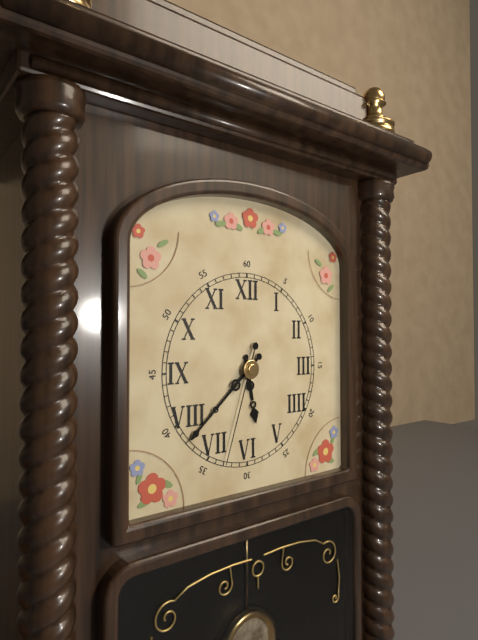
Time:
{"hour": 5, "minute": 38, "second": 33}
